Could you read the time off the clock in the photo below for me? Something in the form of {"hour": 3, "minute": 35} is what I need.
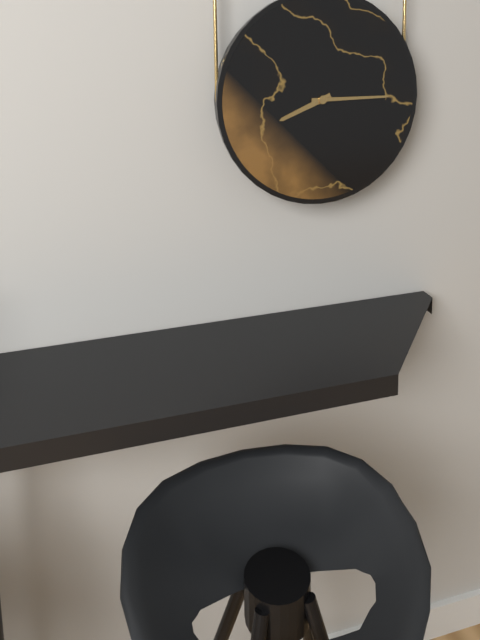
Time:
{"hour": 8, "minute": 15}
